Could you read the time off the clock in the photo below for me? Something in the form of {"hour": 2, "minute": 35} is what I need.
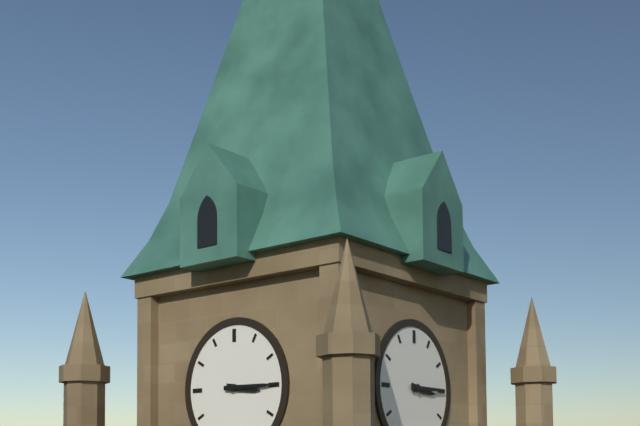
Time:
{"hour": 3, "minute": 15}
